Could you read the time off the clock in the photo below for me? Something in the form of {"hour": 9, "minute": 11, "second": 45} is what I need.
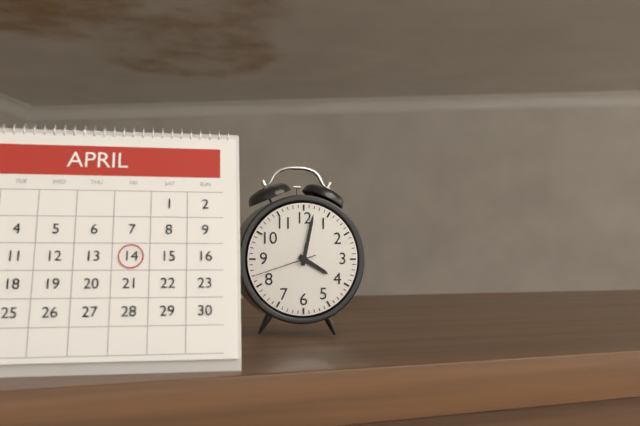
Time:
{"hour": 4, "minute": 2, "second": 42}
